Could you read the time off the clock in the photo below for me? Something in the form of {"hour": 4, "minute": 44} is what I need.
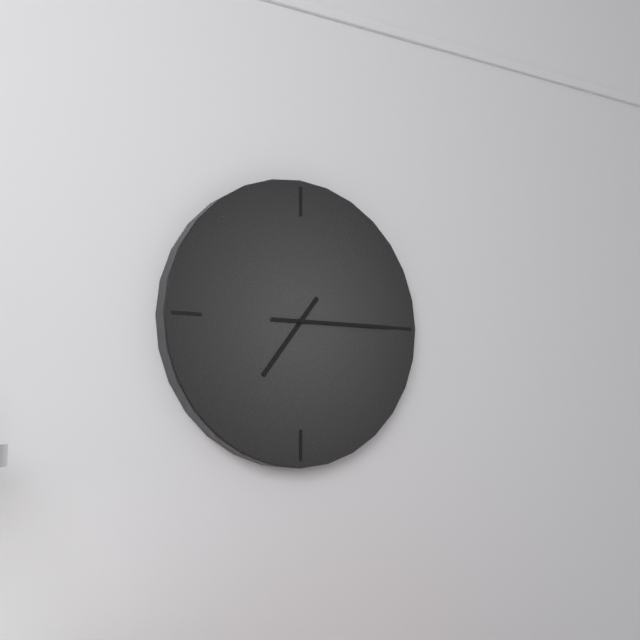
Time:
{"hour": 7, "minute": 15}
